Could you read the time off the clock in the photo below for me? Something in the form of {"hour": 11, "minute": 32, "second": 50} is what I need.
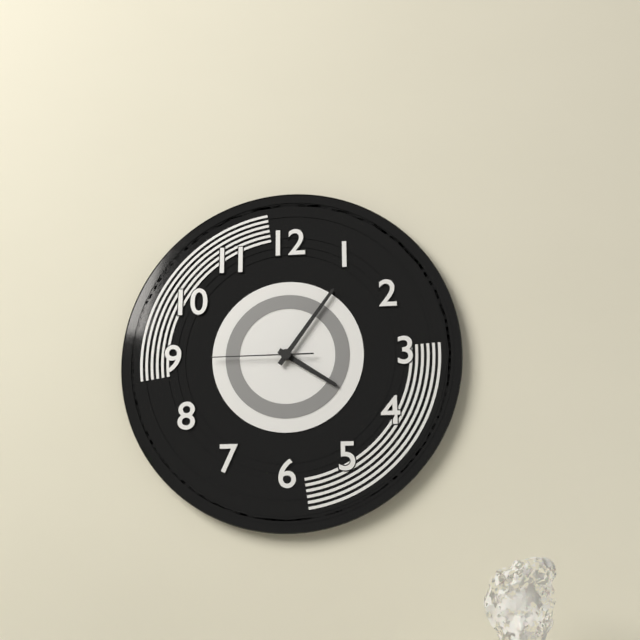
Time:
{"hour": 4, "minute": 6, "second": 45}
